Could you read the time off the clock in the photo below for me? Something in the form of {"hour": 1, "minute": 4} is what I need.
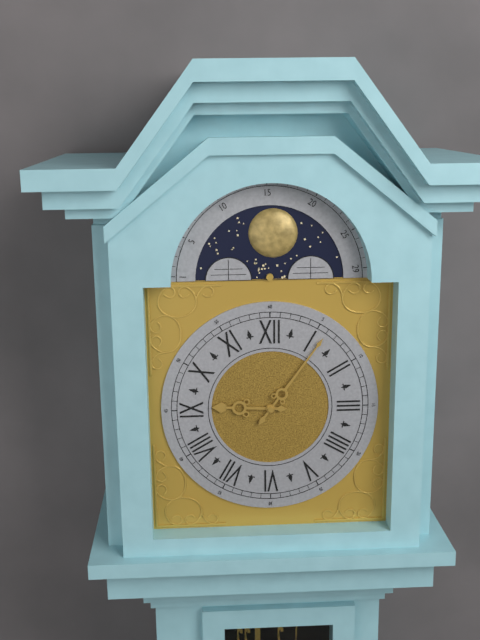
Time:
{"hour": 9, "minute": 6}
